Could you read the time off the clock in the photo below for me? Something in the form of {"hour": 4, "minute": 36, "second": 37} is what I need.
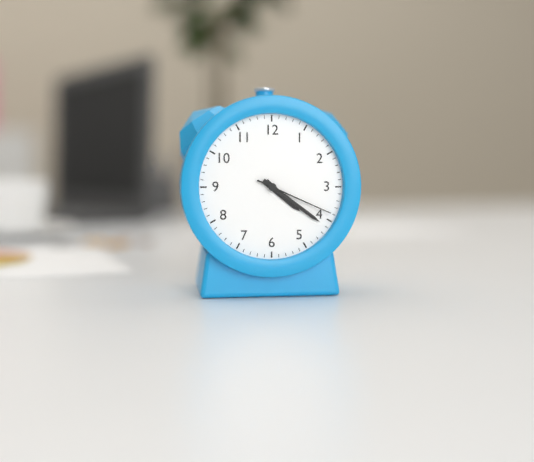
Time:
{"hour": 4, "minute": 21, "second": 19}
